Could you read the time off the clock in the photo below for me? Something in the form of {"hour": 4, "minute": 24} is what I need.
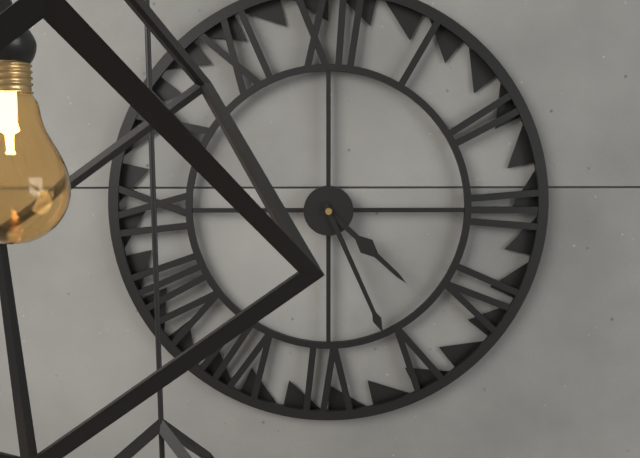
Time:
{"hour": 4, "minute": 26}
